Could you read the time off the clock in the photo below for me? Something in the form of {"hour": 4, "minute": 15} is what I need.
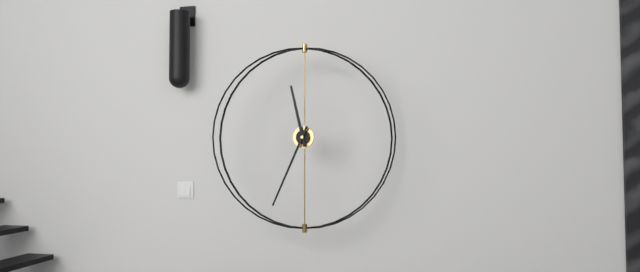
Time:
{"hour": 11, "minute": 34}
